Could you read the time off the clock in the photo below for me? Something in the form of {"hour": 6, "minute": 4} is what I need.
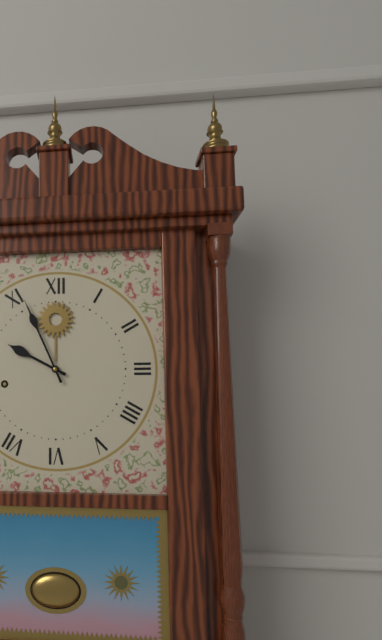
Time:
{"hour": 9, "minute": 56}
